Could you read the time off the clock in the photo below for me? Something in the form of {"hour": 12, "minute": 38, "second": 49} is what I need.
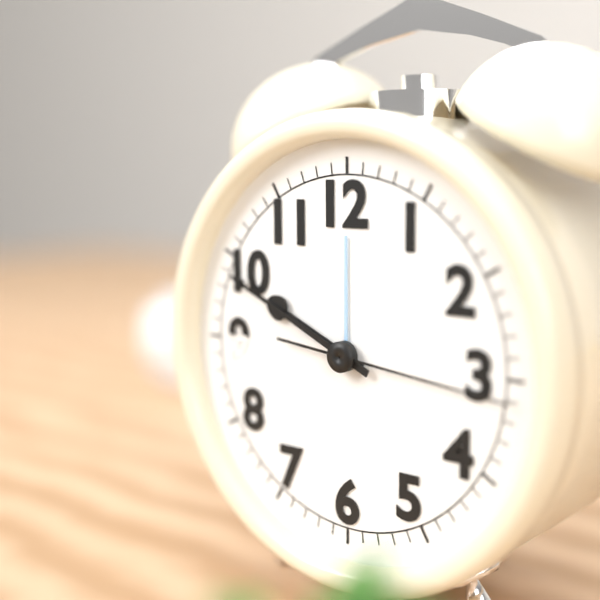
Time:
{"hour": 9, "minute": 49, "second": 16}
